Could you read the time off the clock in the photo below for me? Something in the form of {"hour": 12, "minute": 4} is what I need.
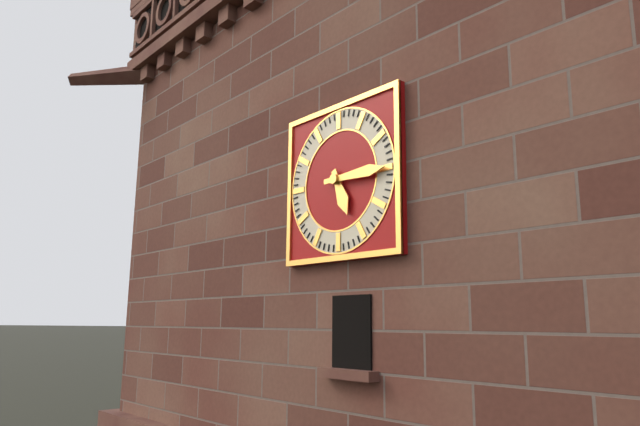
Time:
{"hour": 5, "minute": 15}
